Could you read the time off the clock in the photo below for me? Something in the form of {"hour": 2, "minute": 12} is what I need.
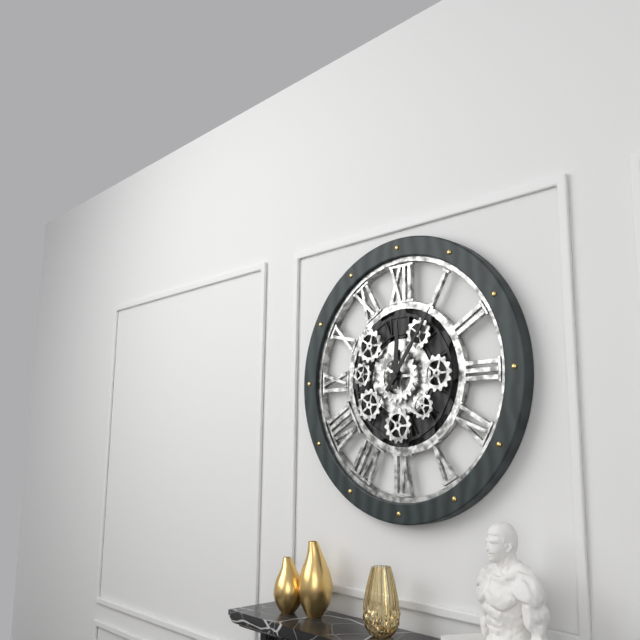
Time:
{"hour": 12, "minute": 6}
